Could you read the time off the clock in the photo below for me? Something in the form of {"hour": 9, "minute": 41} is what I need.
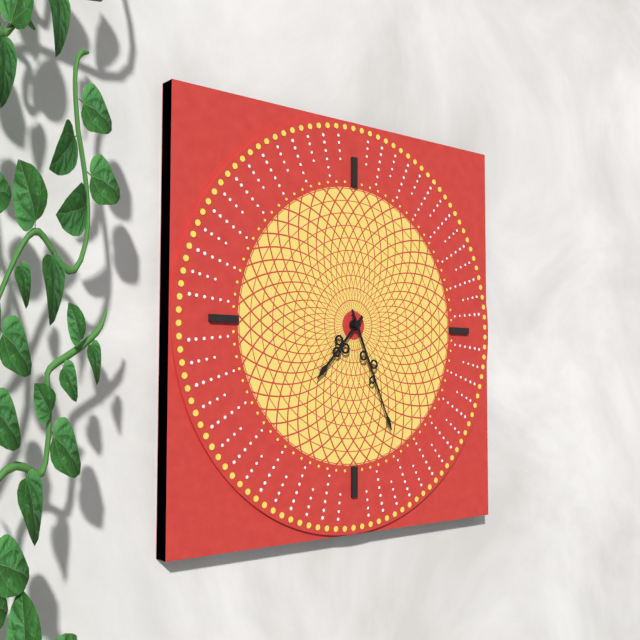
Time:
{"hour": 7, "minute": 26}
